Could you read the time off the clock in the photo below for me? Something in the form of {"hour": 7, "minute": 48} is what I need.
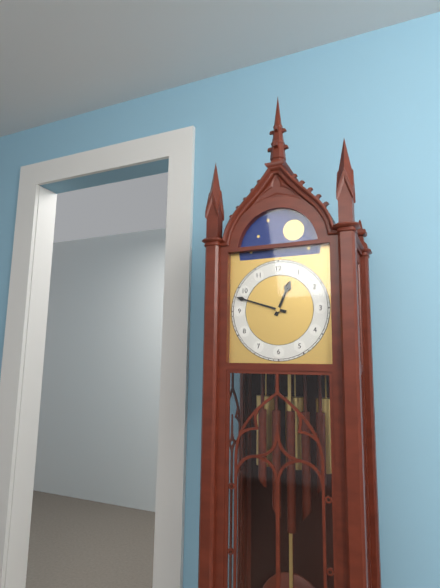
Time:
{"hour": 12, "minute": 48}
